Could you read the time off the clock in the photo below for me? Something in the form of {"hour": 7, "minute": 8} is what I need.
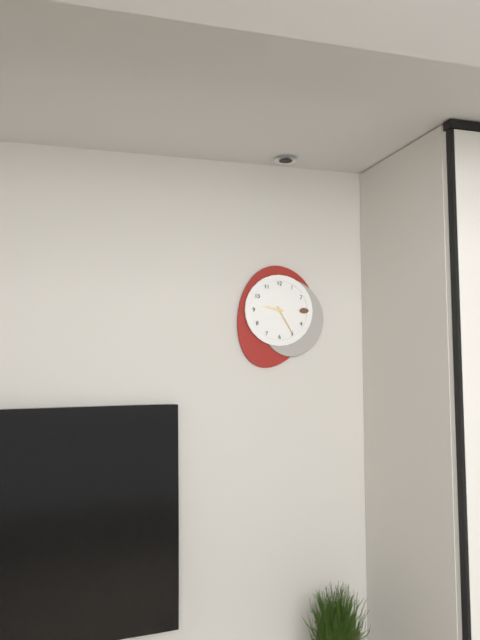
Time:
{"hour": 9, "minute": 25}
